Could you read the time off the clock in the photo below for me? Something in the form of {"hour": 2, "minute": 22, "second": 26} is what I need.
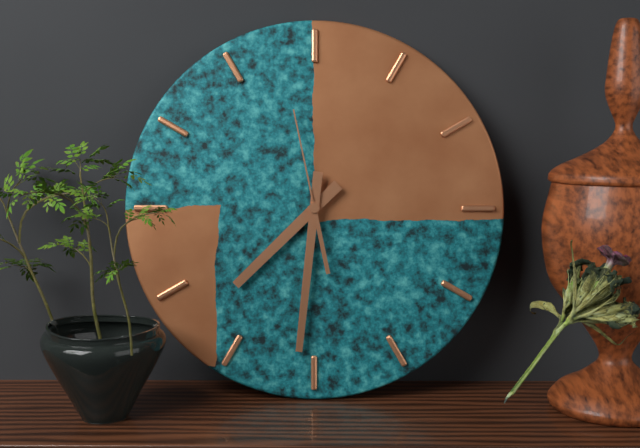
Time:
{"hour": 7, "minute": 31, "second": 58}
